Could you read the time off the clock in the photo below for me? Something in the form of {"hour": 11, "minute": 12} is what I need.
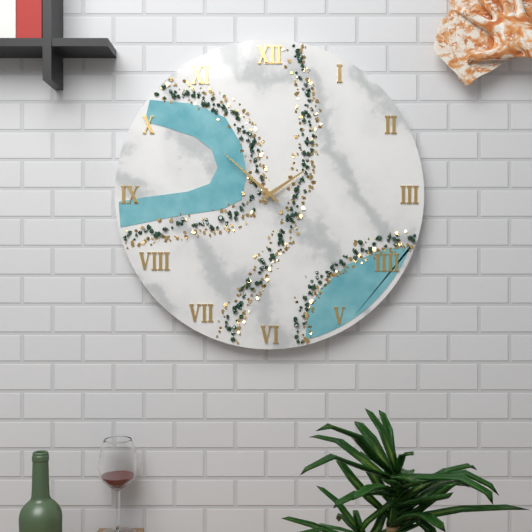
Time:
{"hour": 1, "minute": 52}
